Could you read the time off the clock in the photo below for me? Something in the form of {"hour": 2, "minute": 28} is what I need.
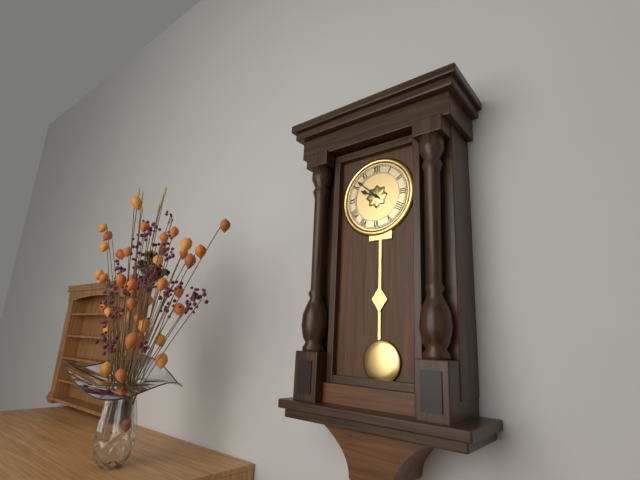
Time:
{"hour": 9, "minute": 52}
